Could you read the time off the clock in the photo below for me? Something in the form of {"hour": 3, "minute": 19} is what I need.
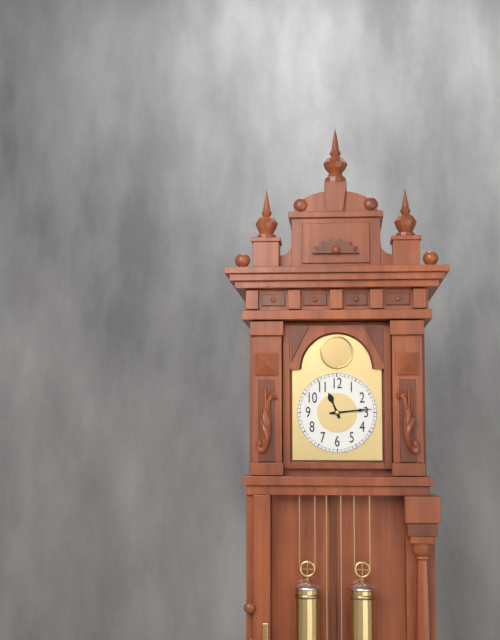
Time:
{"hour": 11, "minute": 14}
